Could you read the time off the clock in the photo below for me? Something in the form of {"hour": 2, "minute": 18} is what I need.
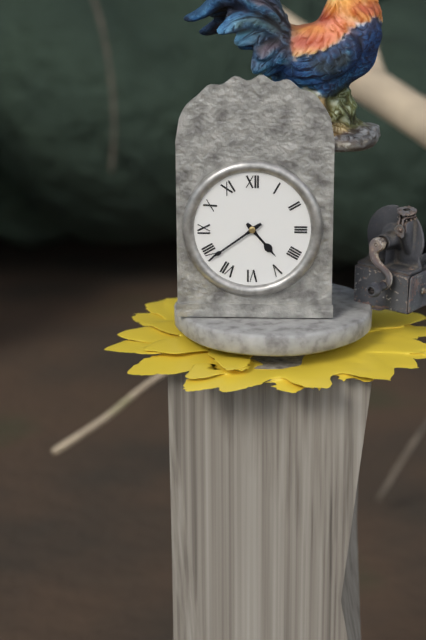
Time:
{"hour": 4, "minute": 39}
